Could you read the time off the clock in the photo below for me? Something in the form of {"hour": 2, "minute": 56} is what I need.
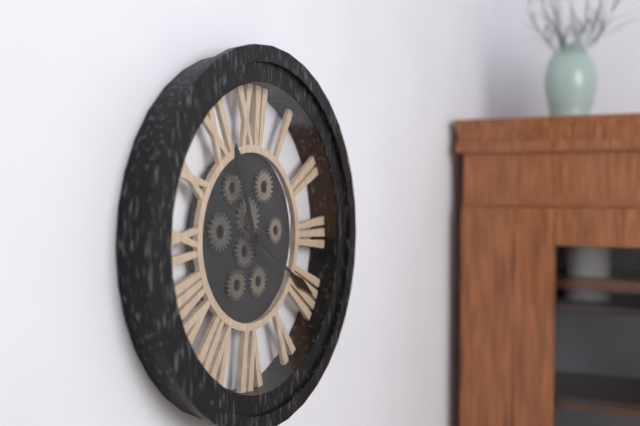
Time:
{"hour": 11, "minute": 20}
